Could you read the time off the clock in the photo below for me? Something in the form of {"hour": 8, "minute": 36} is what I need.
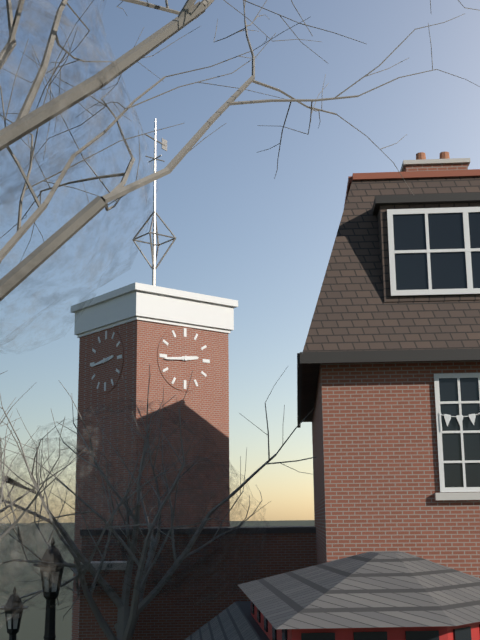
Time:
{"hour": 2, "minute": 44}
